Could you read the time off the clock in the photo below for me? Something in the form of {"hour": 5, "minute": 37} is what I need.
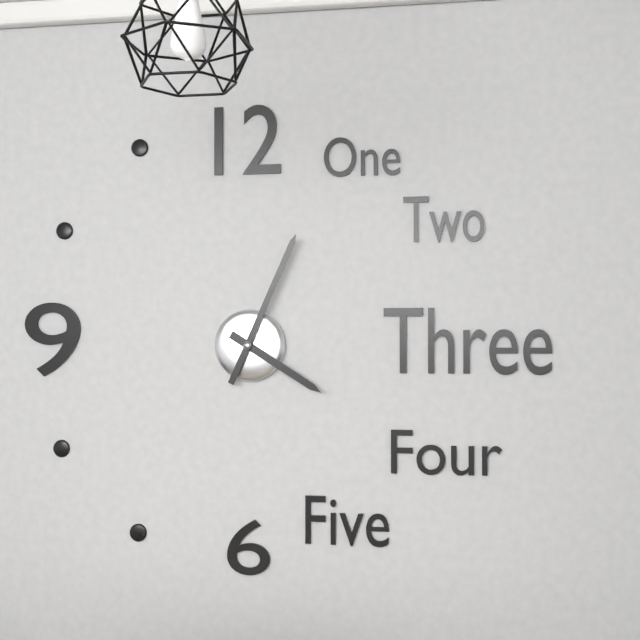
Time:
{"hour": 4, "minute": 4}
